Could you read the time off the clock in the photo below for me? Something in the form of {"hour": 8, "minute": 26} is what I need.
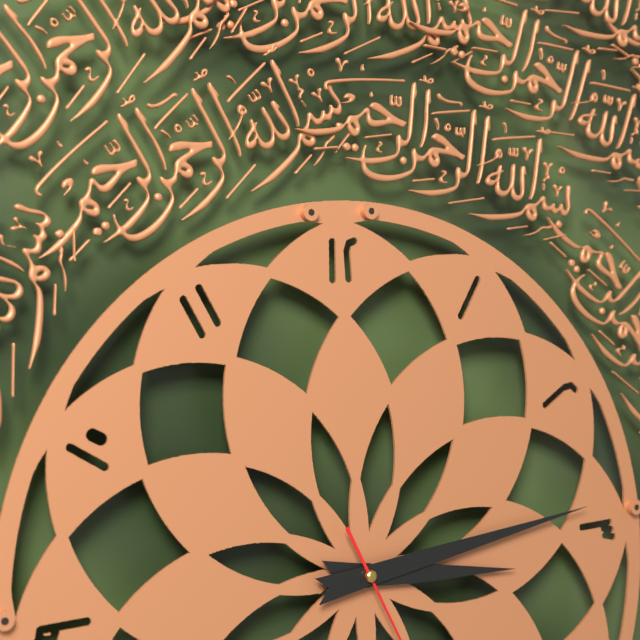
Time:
{"hour": 3, "minute": 14}
